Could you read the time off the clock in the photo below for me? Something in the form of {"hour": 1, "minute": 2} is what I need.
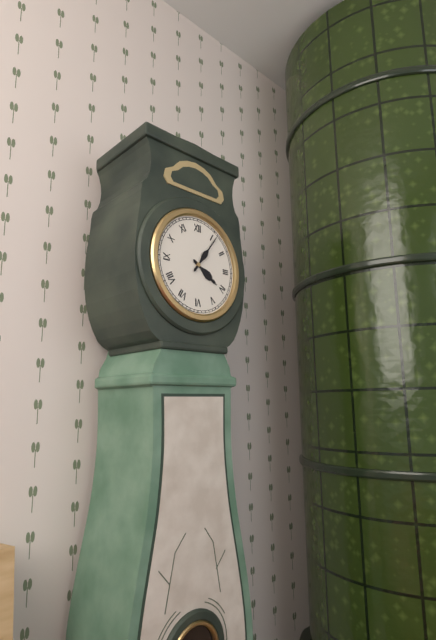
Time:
{"hour": 4, "minute": 6}
